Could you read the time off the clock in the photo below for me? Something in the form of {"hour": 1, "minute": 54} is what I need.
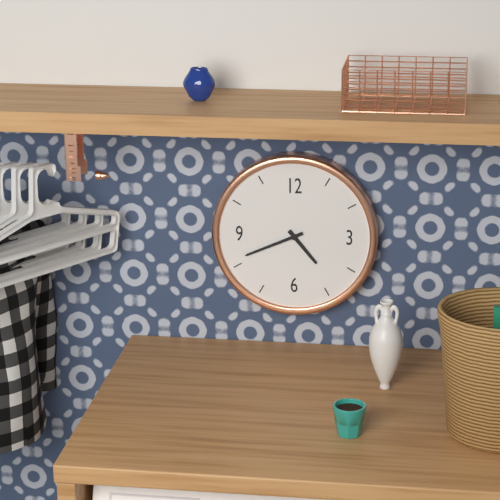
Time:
{"hour": 4, "minute": 41}
